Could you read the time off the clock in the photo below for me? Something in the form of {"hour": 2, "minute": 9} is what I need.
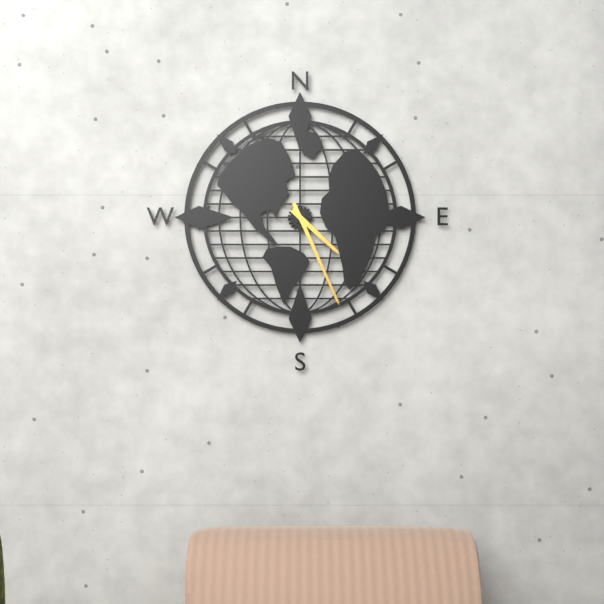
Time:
{"hour": 4, "minute": 26}
